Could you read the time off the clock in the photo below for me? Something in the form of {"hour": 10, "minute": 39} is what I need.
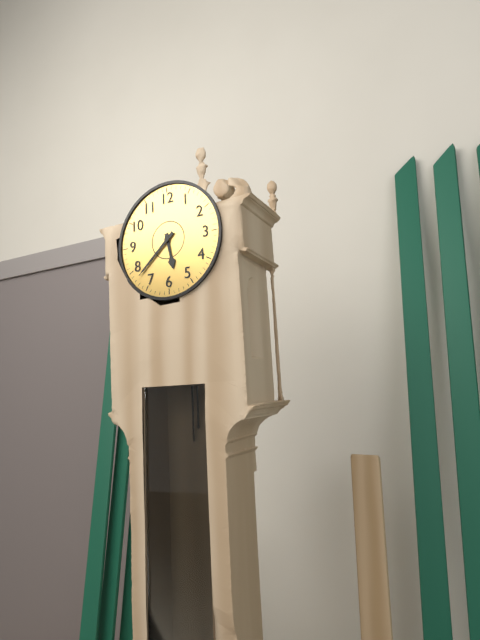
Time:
{"hour": 5, "minute": 38}
